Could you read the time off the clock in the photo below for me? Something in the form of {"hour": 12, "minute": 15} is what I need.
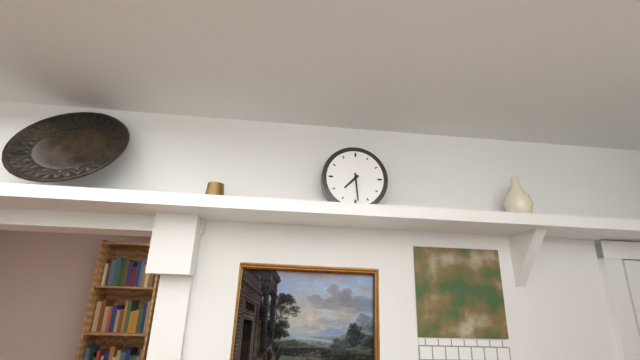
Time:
{"hour": 7, "minute": 29}
